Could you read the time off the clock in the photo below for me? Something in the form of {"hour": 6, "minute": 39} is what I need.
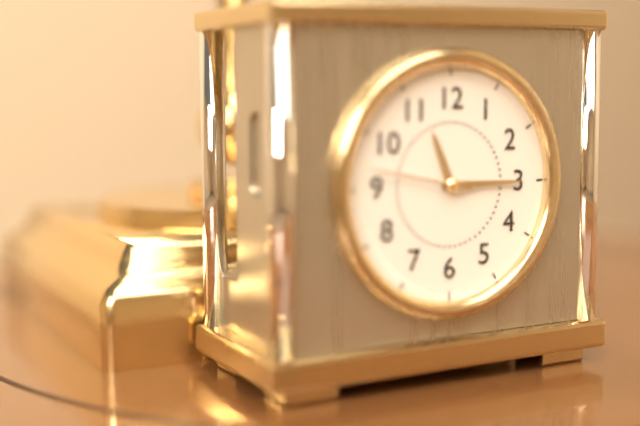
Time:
{"hour": 11, "minute": 15}
